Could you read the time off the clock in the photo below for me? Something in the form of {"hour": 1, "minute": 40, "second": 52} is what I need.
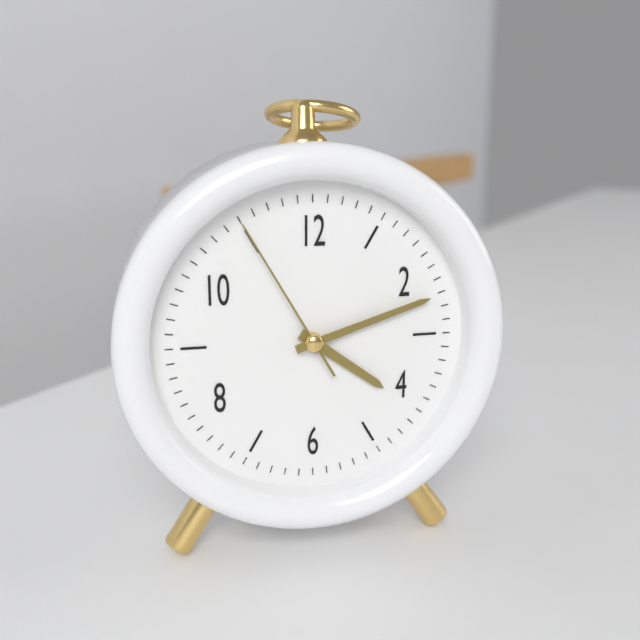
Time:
{"hour": 4, "minute": 12, "second": 55}
